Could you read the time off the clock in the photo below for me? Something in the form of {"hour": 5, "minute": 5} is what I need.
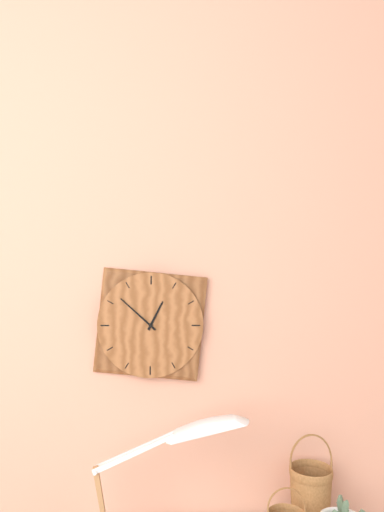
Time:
{"hour": 12, "minute": 52}
